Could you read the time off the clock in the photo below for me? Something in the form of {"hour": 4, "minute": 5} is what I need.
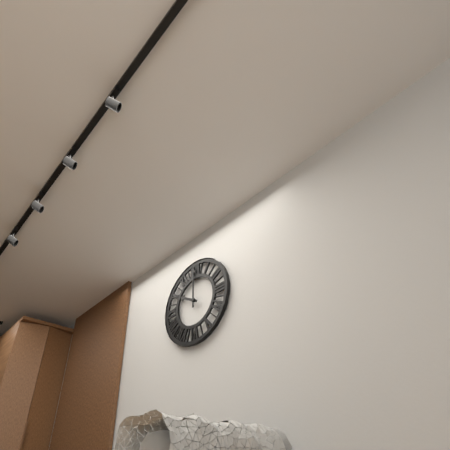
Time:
{"hour": 10, "minute": 0}
